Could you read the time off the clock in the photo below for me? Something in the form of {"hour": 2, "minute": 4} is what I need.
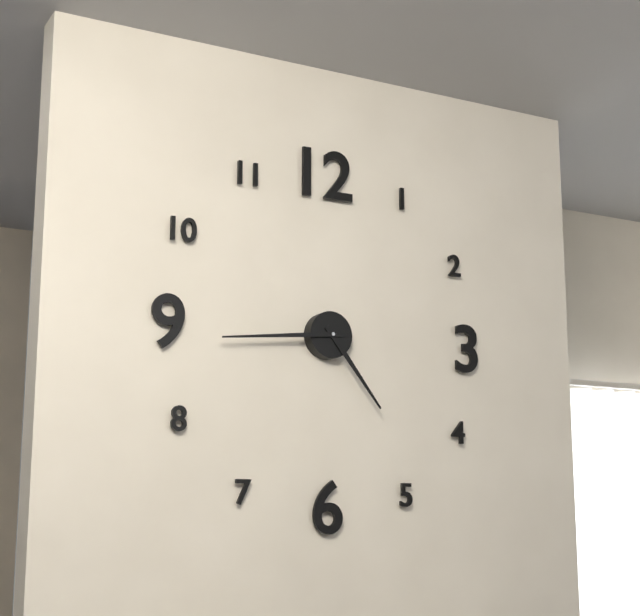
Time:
{"hour": 4, "minute": 44}
